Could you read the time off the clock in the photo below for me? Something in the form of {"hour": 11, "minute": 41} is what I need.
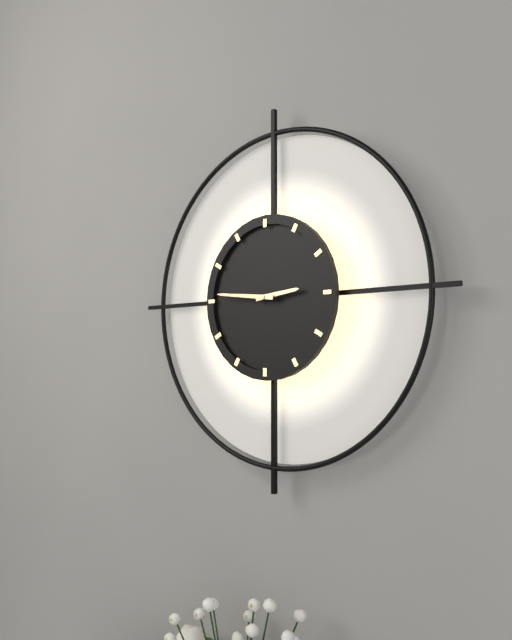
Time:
{"hour": 2, "minute": 46}
